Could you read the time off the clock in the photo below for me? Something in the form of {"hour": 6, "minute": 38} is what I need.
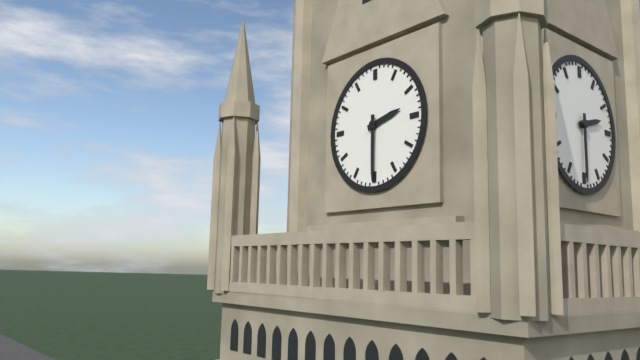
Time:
{"hour": 2, "minute": 30}
